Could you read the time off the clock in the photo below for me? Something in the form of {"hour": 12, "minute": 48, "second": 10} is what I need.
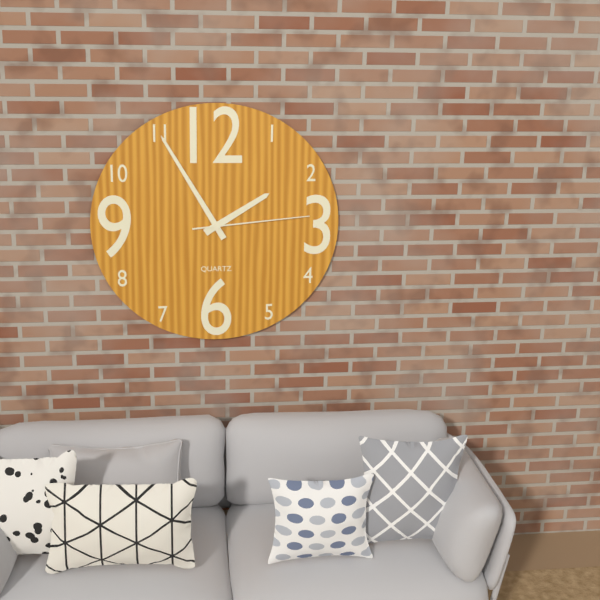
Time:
{"hour": 1, "minute": 55, "second": 14}
